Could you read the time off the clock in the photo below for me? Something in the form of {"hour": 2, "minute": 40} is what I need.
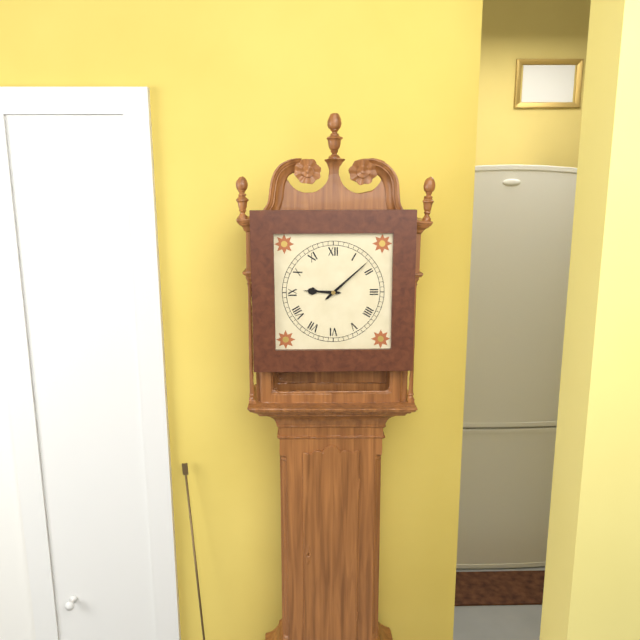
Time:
{"hour": 9, "minute": 8}
